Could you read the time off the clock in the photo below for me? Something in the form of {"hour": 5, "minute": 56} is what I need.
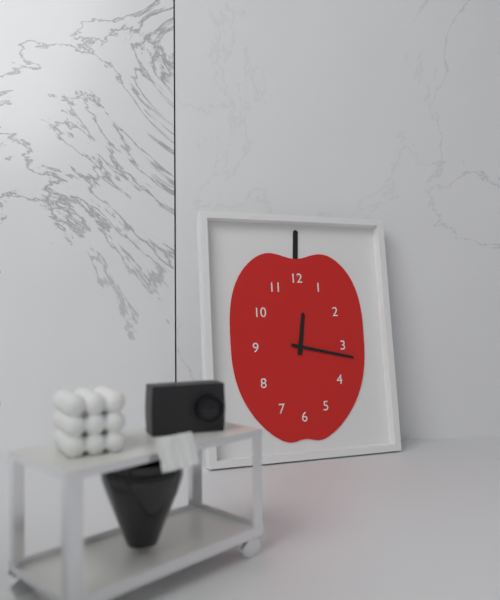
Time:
{"hour": 12, "minute": 17}
